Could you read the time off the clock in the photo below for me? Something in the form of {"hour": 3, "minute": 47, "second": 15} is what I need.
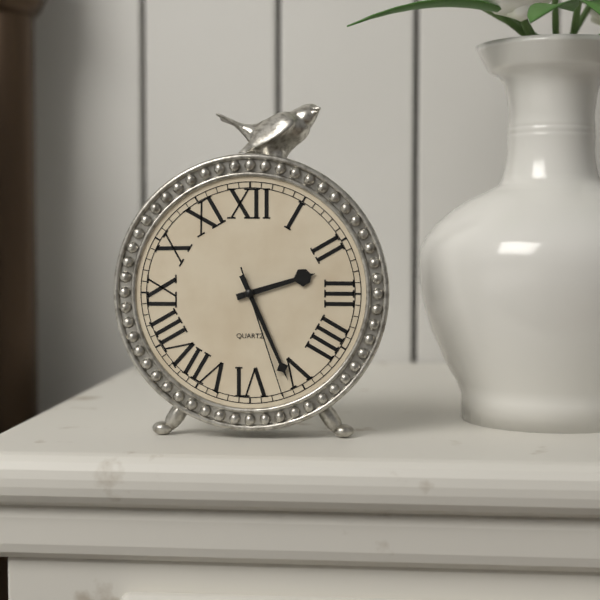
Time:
{"hour": 2, "minute": 26, "second": 27}
